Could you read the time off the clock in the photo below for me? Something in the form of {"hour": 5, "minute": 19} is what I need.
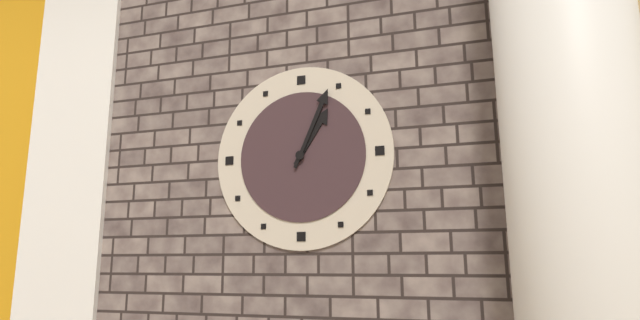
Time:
{"hour": 1, "minute": 4}
